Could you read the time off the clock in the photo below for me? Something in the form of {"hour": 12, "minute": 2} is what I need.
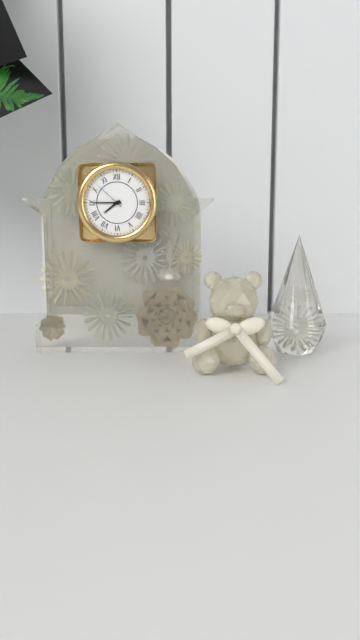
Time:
{"hour": 7, "minute": 45}
